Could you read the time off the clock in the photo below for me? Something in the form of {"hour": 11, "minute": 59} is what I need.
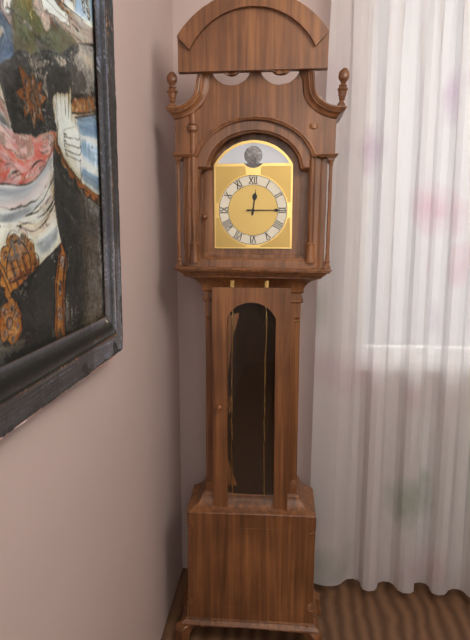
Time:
{"hour": 12, "minute": 15}
